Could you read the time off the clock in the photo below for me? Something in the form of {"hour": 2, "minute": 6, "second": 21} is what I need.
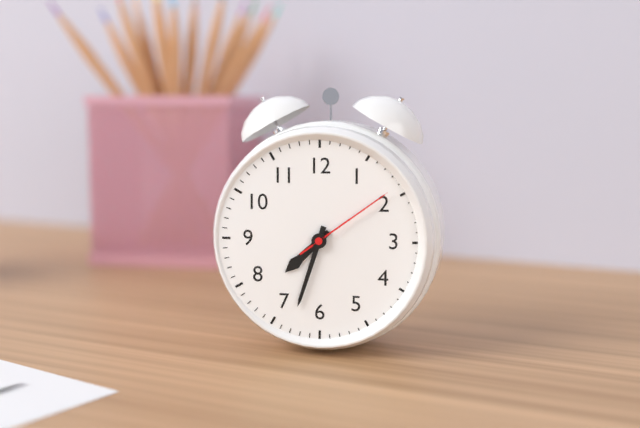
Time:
{"hour": 7, "minute": 33, "second": 9}
